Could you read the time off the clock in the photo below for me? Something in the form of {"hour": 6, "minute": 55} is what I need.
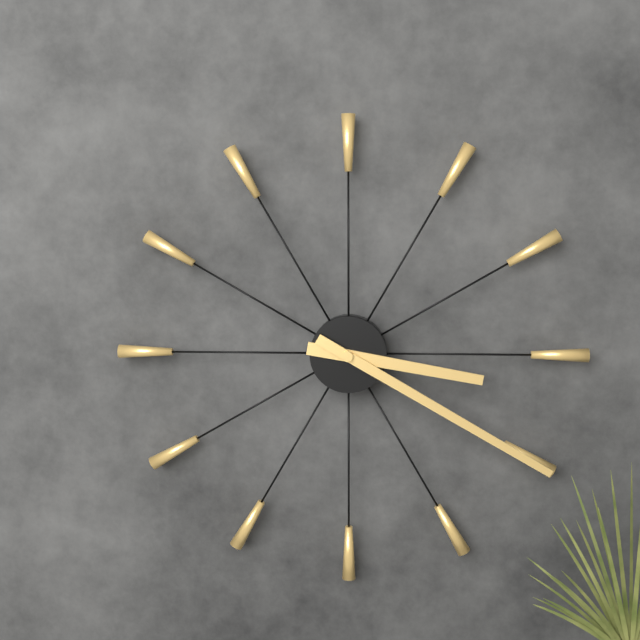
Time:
{"hour": 3, "minute": 20}
